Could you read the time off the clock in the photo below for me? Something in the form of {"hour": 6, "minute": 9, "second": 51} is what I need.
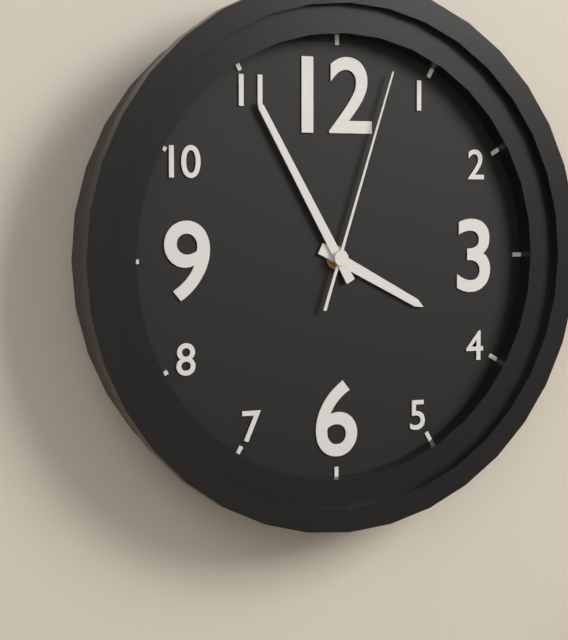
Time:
{"hour": 3, "minute": 55, "second": 3}
